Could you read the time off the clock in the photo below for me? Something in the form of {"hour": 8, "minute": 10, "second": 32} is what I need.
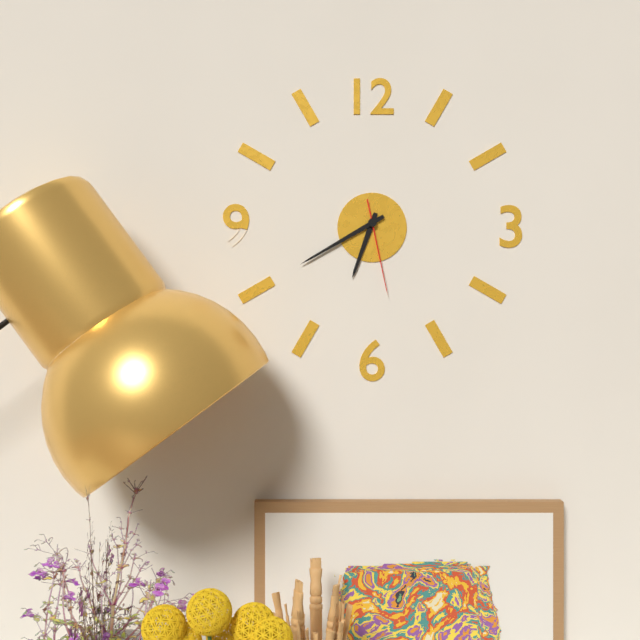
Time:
{"hour": 6, "minute": 40, "second": 28}
